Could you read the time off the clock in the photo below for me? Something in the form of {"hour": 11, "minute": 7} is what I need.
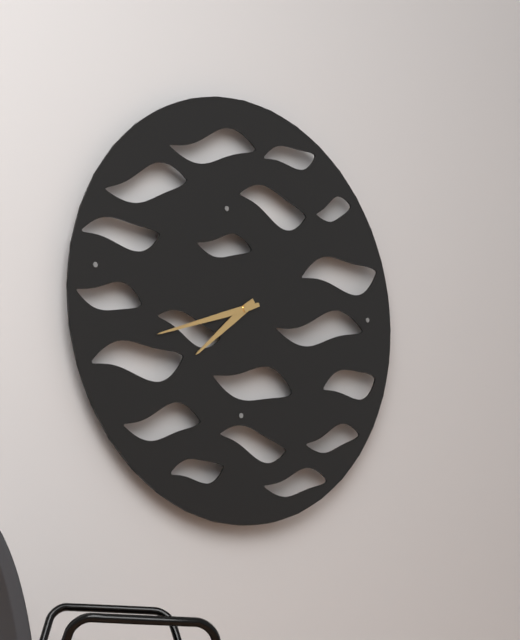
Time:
{"hour": 7, "minute": 42}
